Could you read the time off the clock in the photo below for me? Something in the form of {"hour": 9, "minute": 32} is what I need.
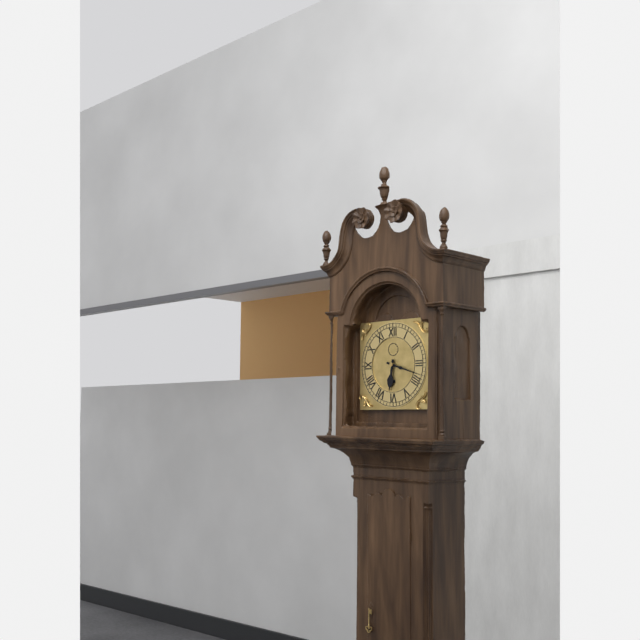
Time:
{"hour": 6, "minute": 18}
